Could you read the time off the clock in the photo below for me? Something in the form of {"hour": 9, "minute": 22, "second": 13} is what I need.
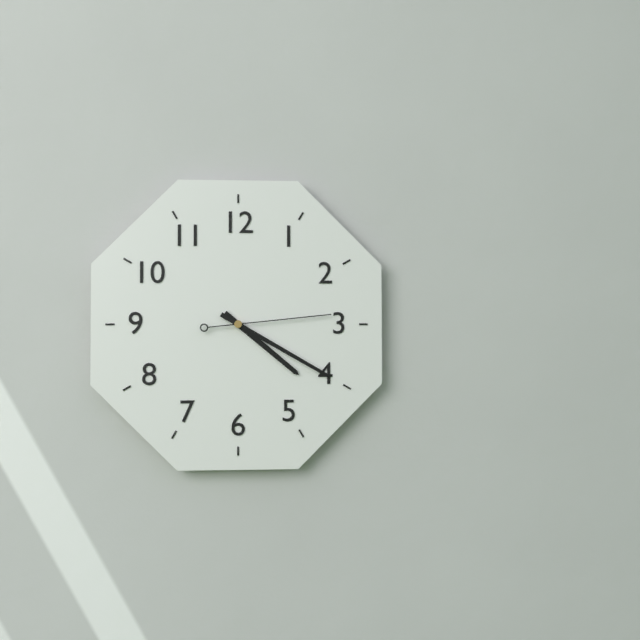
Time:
{"hour": 4, "minute": 20, "second": 14}
